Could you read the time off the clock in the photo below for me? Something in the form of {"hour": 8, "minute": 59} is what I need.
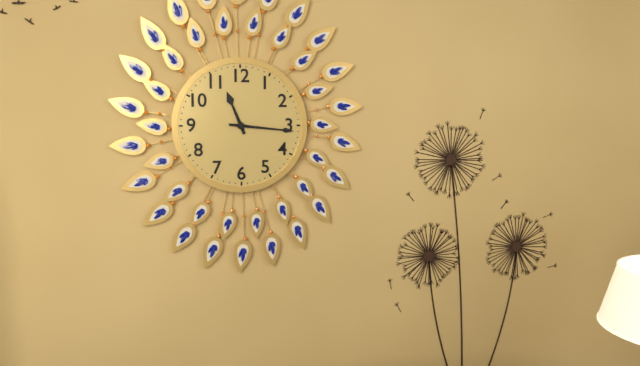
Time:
{"hour": 11, "minute": 16}
